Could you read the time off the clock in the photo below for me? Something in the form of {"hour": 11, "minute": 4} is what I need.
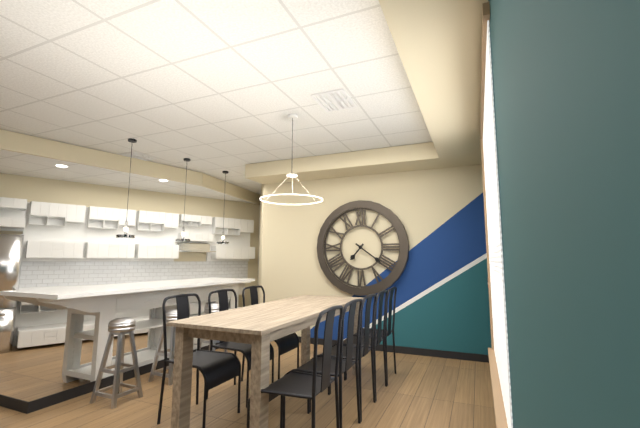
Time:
{"hour": 7, "minute": 21}
